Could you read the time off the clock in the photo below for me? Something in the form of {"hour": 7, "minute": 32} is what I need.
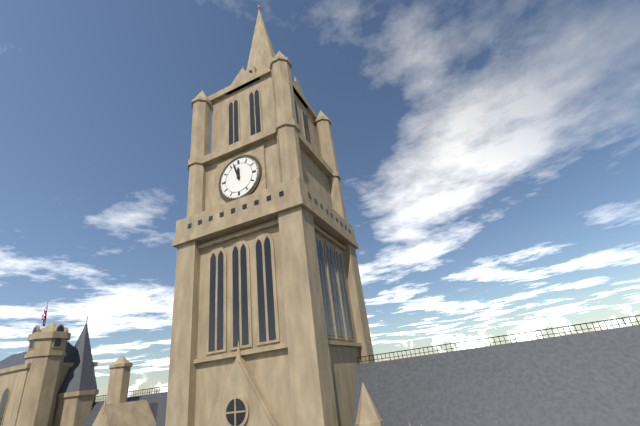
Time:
{"hour": 11, "minute": 57}
